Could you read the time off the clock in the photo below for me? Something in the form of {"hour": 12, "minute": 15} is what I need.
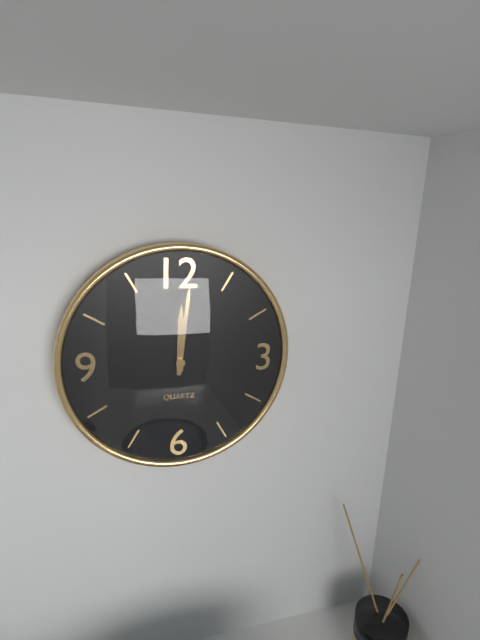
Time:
{"hour": 12, "minute": 1}
